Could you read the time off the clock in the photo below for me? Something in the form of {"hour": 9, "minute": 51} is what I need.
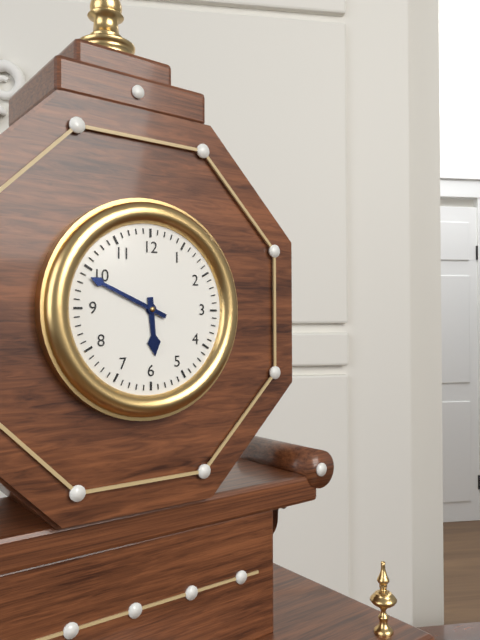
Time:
{"hour": 5, "minute": 49}
